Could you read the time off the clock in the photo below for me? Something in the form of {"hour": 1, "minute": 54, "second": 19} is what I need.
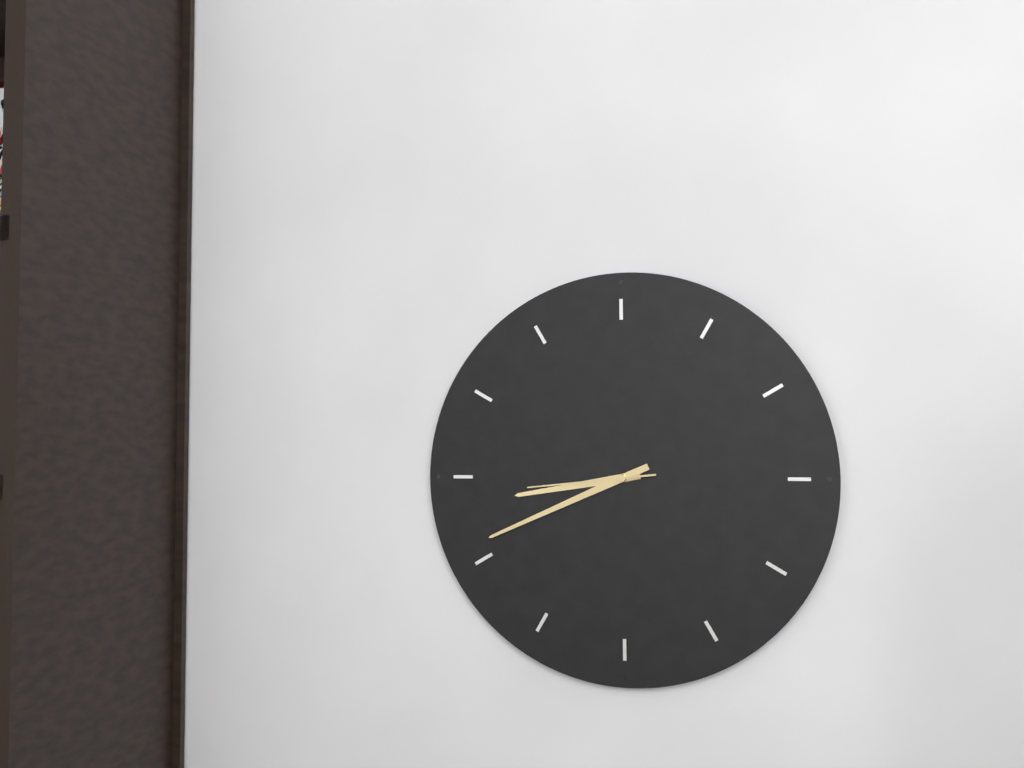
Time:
{"hour": 8, "minute": 41, "second": 44}
